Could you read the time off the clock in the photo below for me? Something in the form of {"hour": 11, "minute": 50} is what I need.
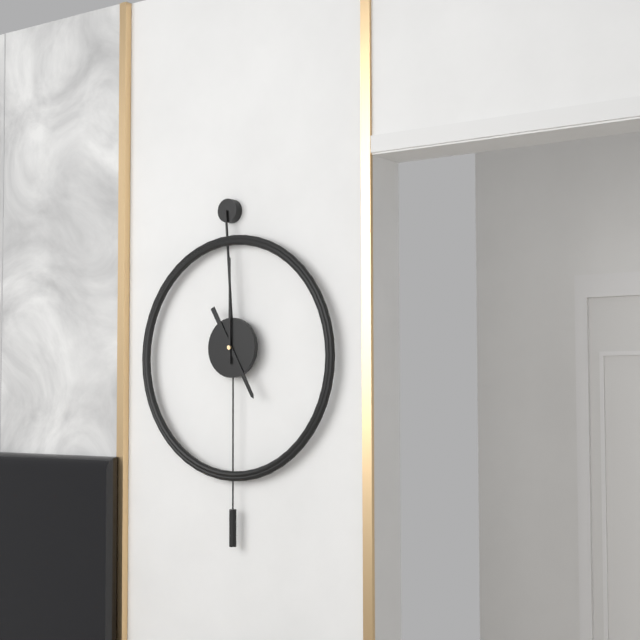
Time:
{"hour": 5, "minute": 0}
